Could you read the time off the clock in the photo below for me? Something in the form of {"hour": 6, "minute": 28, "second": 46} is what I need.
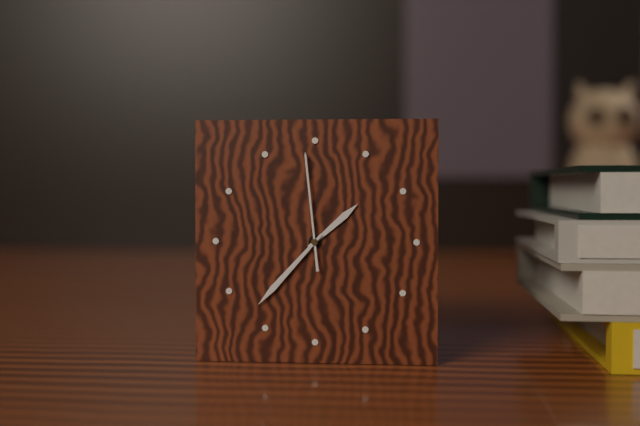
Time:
{"hour": 1, "minute": 37, "second": 59}
